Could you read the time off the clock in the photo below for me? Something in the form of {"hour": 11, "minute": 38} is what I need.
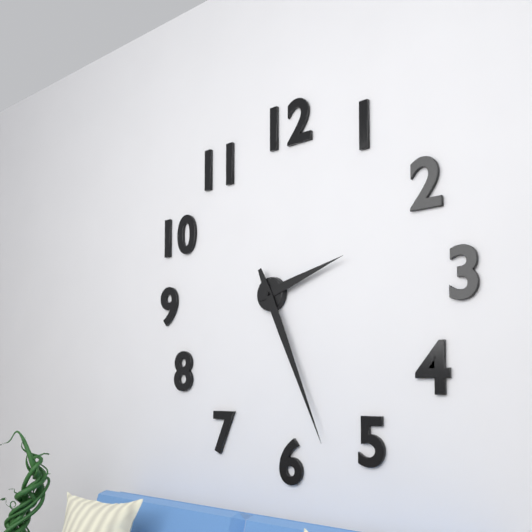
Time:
{"hour": 2, "minute": 26}
